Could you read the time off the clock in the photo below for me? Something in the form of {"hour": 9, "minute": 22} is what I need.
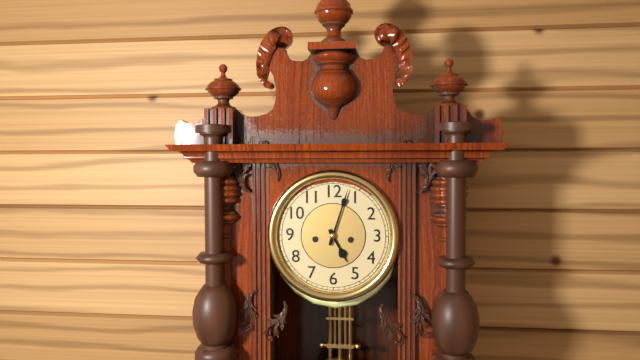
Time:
{"hour": 5, "minute": 3}
